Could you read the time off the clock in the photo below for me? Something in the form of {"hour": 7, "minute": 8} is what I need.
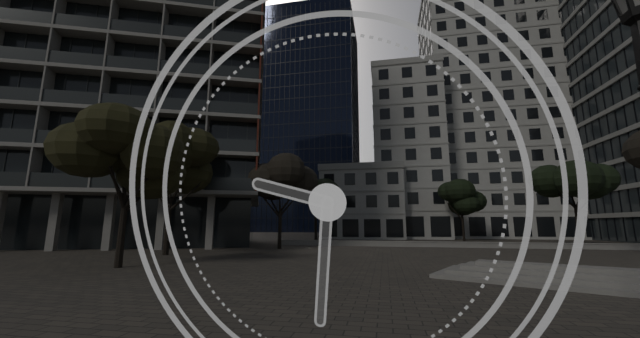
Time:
{"hour": 9, "minute": 31}
